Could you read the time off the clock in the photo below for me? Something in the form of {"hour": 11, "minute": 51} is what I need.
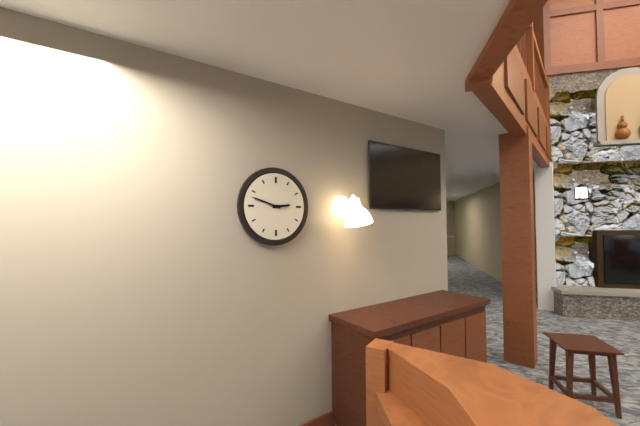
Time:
{"hour": 2, "minute": 48}
